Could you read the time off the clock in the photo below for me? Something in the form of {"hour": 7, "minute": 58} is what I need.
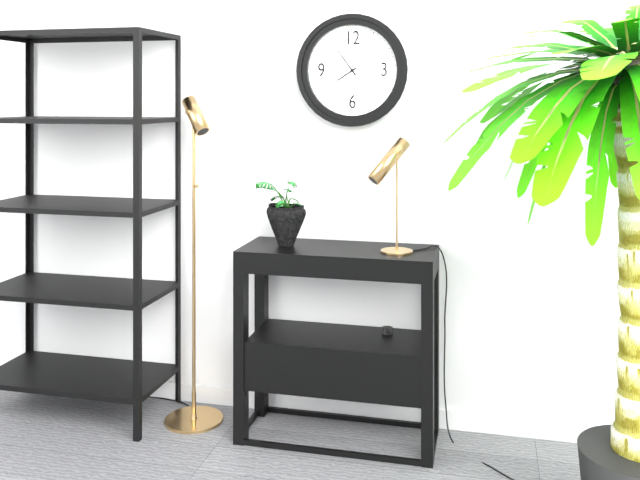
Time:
{"hour": 7, "minute": 54}
